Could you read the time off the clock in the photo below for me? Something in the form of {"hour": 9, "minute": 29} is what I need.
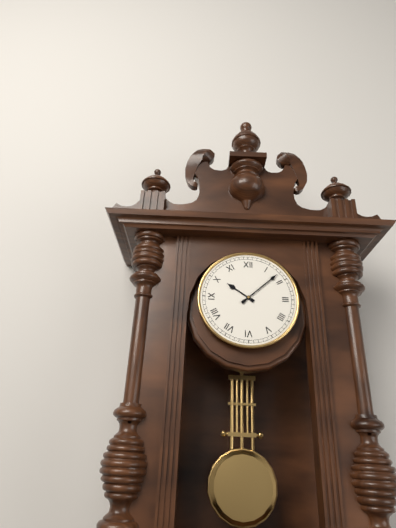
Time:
{"hour": 10, "minute": 8}
